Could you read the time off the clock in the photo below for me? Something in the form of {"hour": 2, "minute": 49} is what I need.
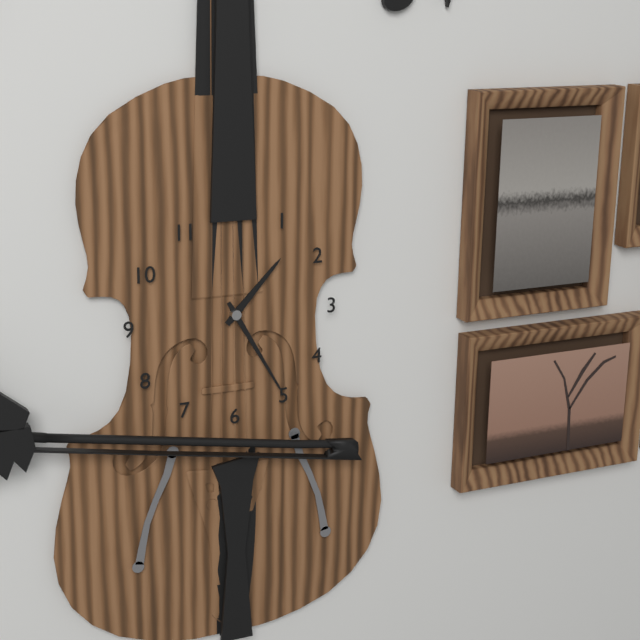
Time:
{"hour": 1, "minute": 25}
